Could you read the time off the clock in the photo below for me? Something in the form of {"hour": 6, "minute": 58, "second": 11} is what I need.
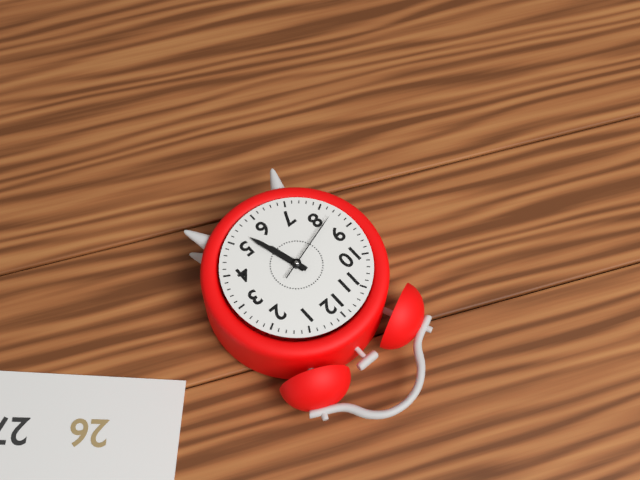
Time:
{"hour": 5, "minute": 27, "second": 42}
